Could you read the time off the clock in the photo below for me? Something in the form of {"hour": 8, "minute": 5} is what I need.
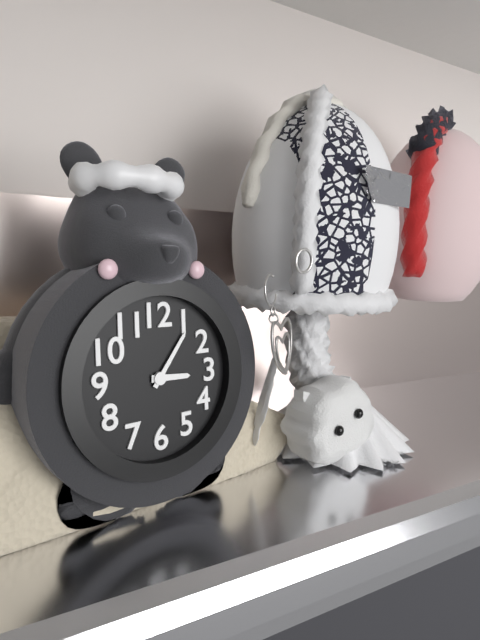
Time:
{"hour": 3, "minute": 6}
